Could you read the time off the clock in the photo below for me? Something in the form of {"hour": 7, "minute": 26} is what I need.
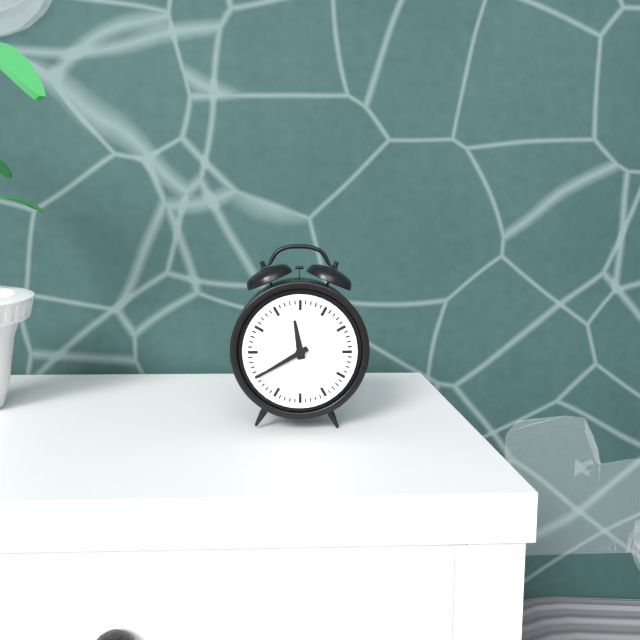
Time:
{"hour": 11, "minute": 40}
